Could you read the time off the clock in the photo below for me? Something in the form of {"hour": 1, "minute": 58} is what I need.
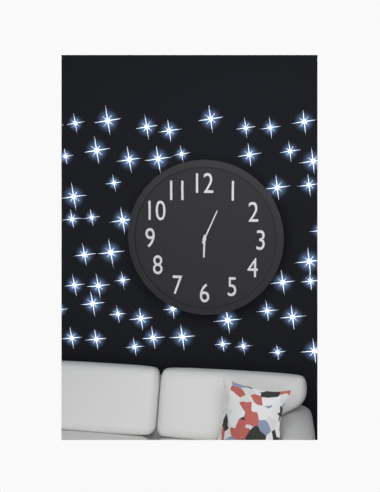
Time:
{"hour": 6, "minute": 4}
